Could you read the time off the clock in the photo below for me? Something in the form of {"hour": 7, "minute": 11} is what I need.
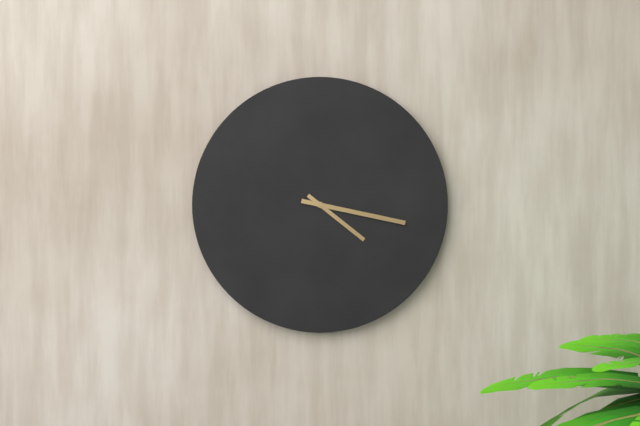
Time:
{"hour": 4, "minute": 17}
